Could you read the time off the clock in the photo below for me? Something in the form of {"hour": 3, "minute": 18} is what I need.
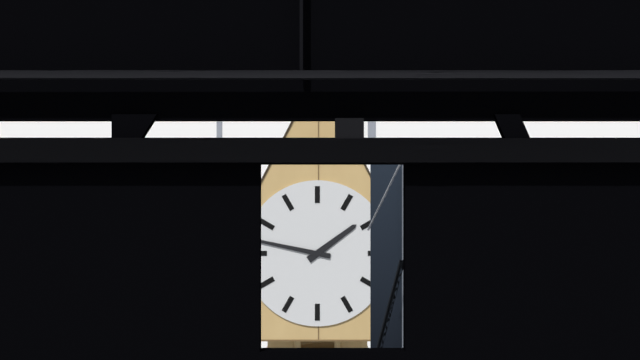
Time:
{"hour": 1, "minute": 47}
